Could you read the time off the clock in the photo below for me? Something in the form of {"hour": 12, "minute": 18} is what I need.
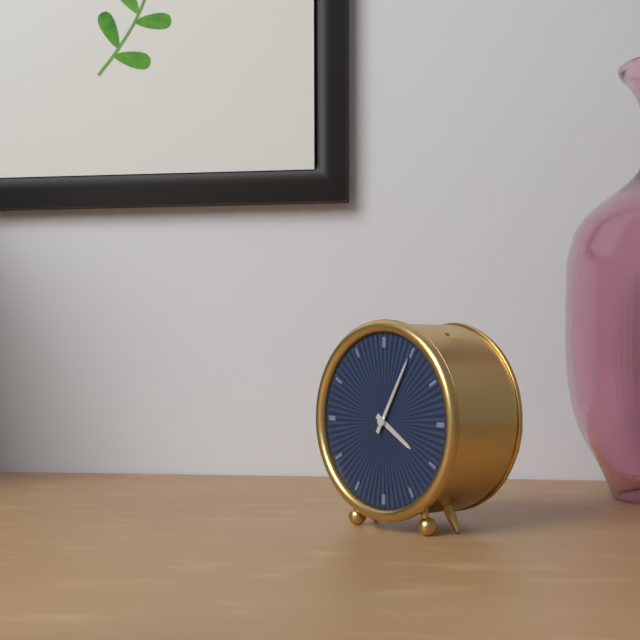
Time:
{"hour": 4, "minute": 5}
